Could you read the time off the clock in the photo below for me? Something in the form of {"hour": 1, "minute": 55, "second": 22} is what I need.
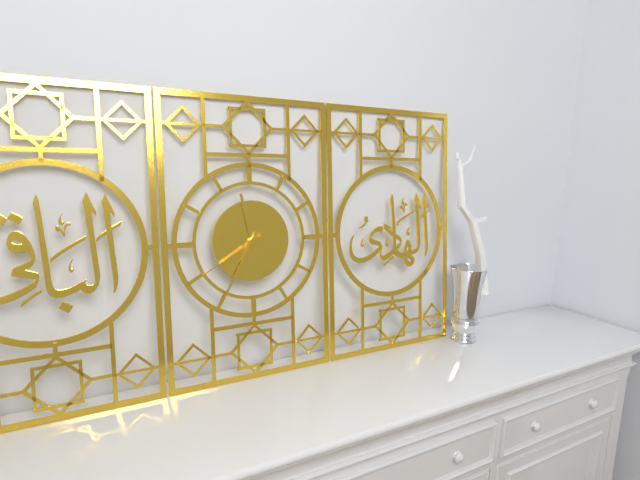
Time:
{"hour": 11, "minute": 35, "second": 40}
